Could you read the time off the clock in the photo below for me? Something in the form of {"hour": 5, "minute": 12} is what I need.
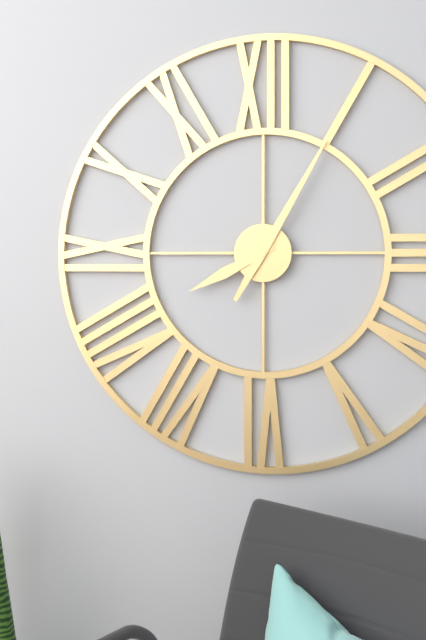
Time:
{"hour": 8, "minute": 5}
